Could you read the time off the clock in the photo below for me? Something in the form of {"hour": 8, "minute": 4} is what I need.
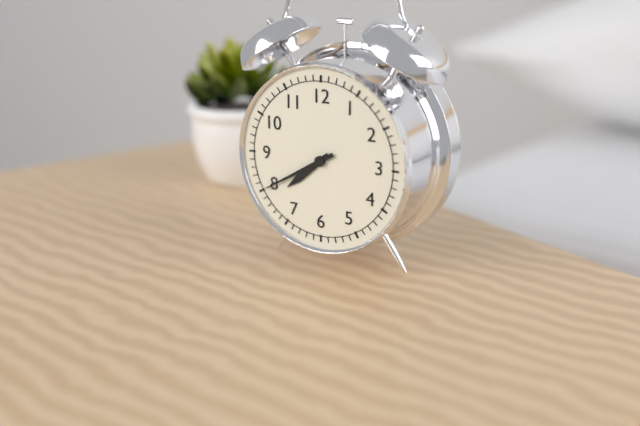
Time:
{"hour": 7, "minute": 40}
